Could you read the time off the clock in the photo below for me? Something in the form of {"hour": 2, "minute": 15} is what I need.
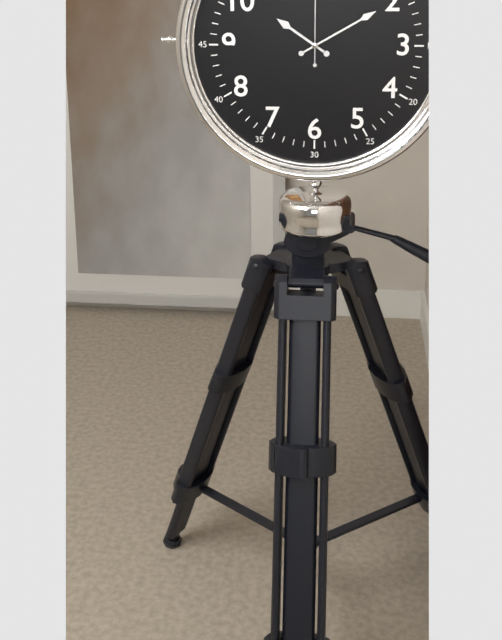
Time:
{"hour": 10, "minute": 10}
